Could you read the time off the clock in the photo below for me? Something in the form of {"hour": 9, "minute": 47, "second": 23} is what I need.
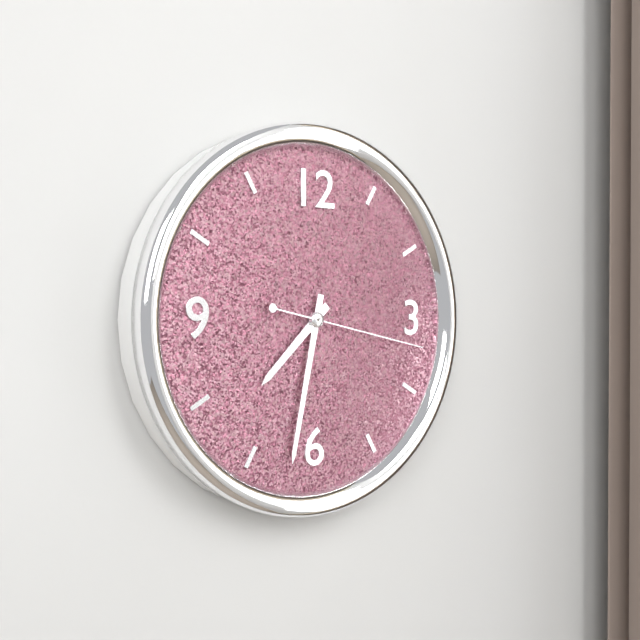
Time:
{"hour": 7, "minute": 32, "second": 17}
